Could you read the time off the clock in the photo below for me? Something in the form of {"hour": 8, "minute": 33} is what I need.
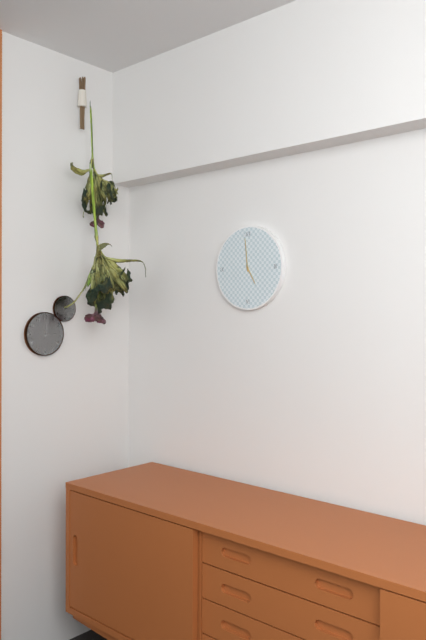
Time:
{"hour": 4, "minute": 59}
